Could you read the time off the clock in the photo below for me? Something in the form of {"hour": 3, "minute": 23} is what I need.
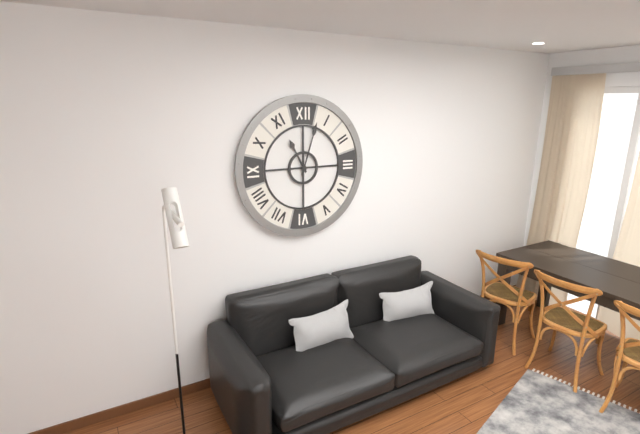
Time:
{"hour": 11, "minute": 3}
